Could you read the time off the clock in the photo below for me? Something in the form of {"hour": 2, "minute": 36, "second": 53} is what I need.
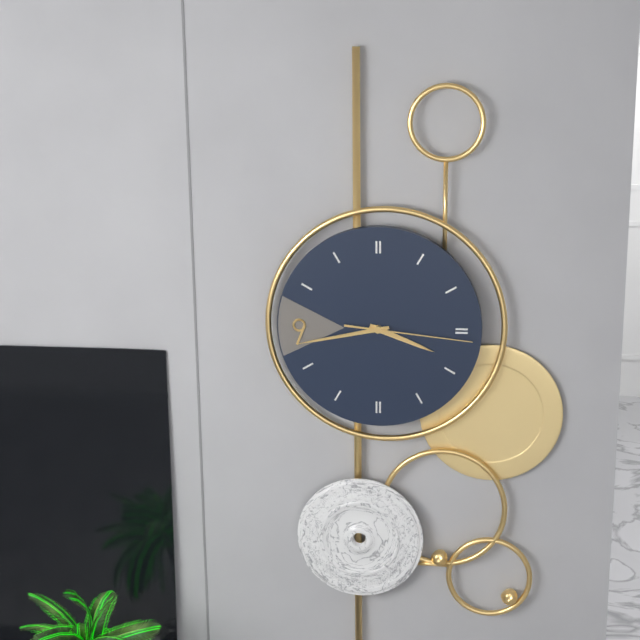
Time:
{"hour": 3, "minute": 43, "second": 16}
